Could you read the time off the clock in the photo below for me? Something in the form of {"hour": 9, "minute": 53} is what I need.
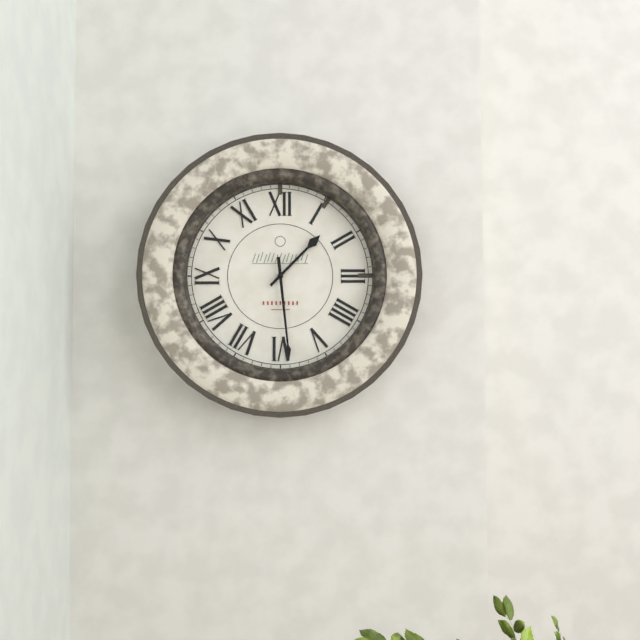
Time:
{"hour": 1, "minute": 29}
